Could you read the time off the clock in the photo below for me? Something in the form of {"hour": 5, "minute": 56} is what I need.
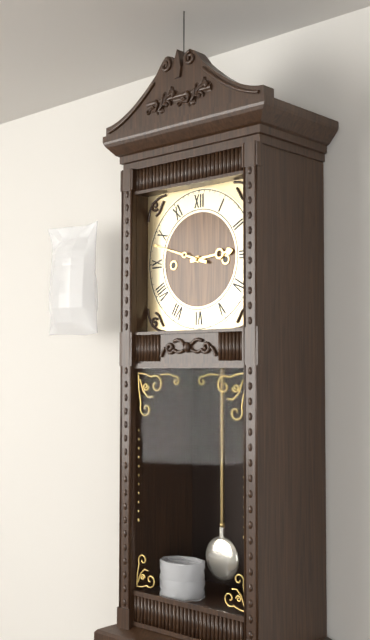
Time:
{"hour": 2, "minute": 48}
